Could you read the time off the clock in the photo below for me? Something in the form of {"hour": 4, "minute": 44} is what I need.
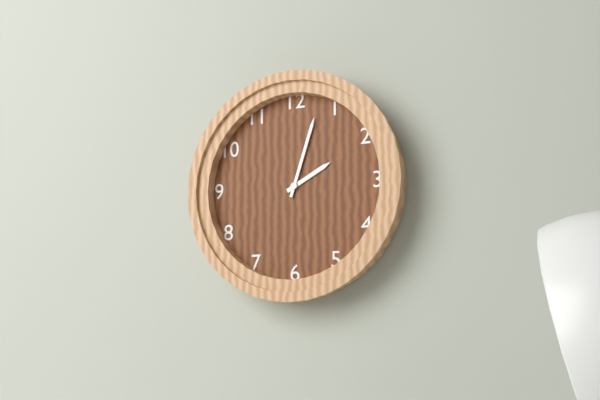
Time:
{"hour": 2, "minute": 3}
